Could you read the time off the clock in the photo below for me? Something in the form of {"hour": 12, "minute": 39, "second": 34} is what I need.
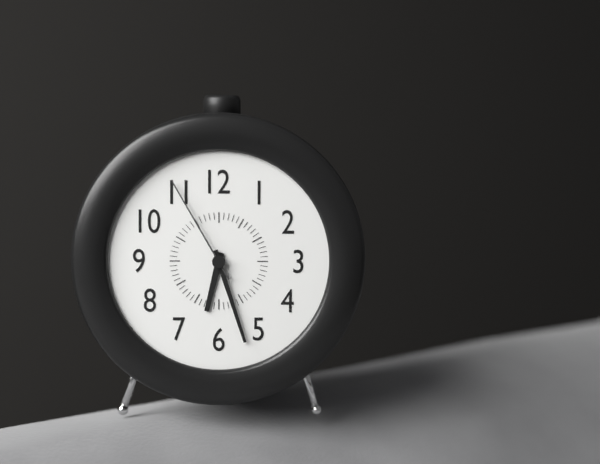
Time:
{"hour": 6, "minute": 27, "second": 55}
